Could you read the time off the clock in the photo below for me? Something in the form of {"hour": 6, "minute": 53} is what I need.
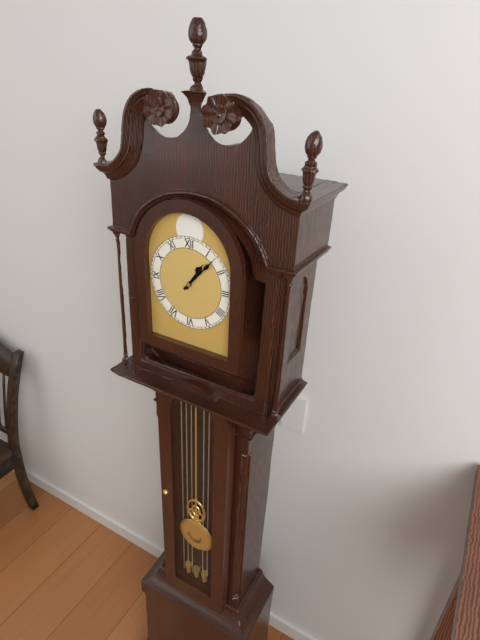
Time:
{"hour": 1, "minute": 7}
